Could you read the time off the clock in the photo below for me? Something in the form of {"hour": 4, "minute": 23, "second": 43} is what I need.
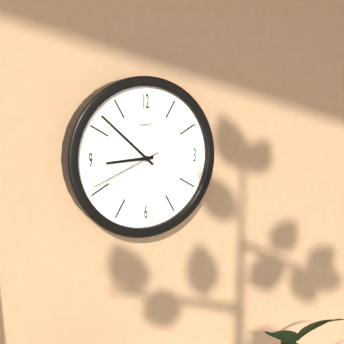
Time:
{"hour": 8, "minute": 52, "second": 41}
